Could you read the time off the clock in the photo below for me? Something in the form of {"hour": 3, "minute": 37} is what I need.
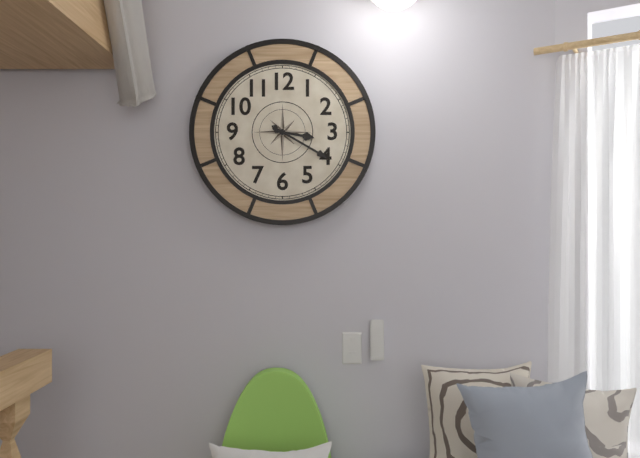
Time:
{"hour": 3, "minute": 20}
